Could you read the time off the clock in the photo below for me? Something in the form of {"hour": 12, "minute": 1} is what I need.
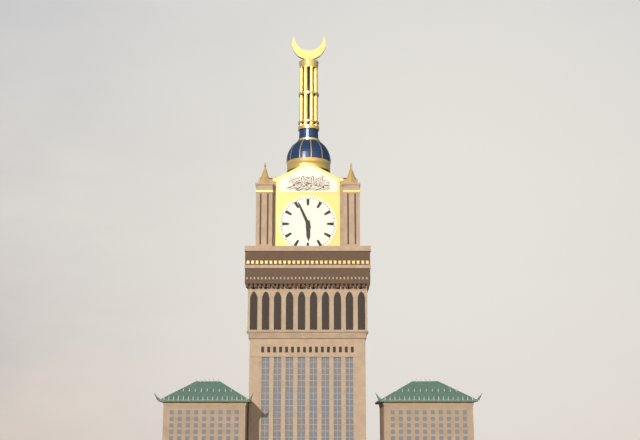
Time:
{"hour": 5, "minute": 56}
